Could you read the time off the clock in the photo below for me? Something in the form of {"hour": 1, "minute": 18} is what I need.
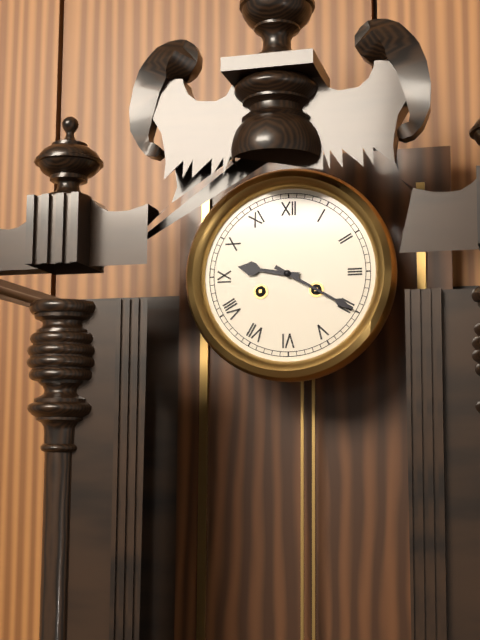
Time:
{"hour": 9, "minute": 20}
